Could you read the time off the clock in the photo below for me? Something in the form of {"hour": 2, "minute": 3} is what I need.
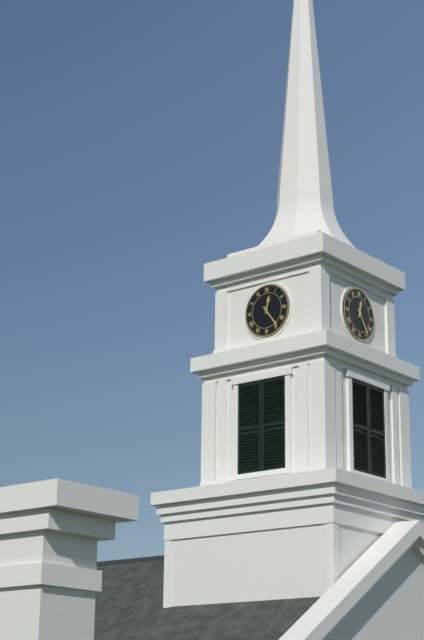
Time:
{"hour": 12, "minute": 24}
